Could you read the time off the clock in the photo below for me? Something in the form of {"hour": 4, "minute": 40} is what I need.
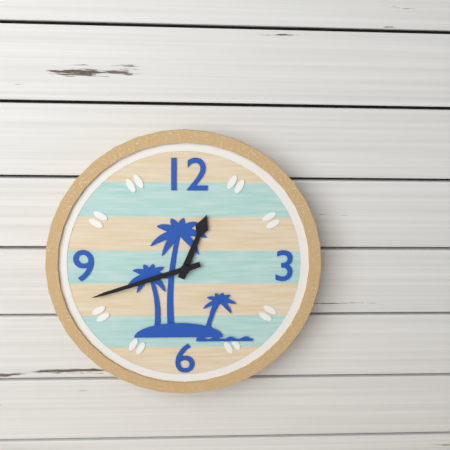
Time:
{"hour": 12, "minute": 42}
